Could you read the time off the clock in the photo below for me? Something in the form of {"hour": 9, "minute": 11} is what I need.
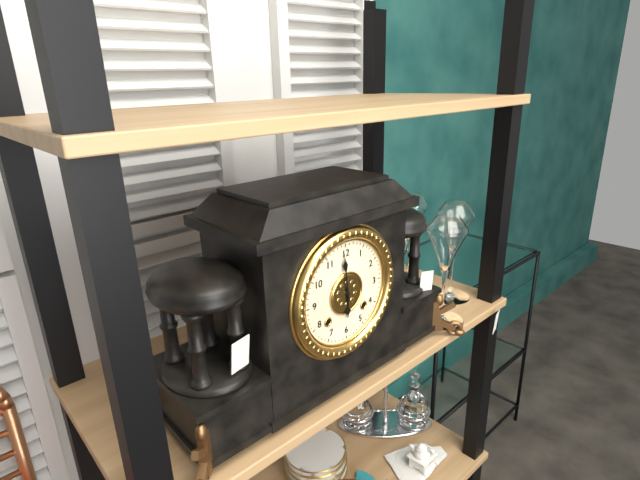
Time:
{"hour": 5, "minute": 59}
